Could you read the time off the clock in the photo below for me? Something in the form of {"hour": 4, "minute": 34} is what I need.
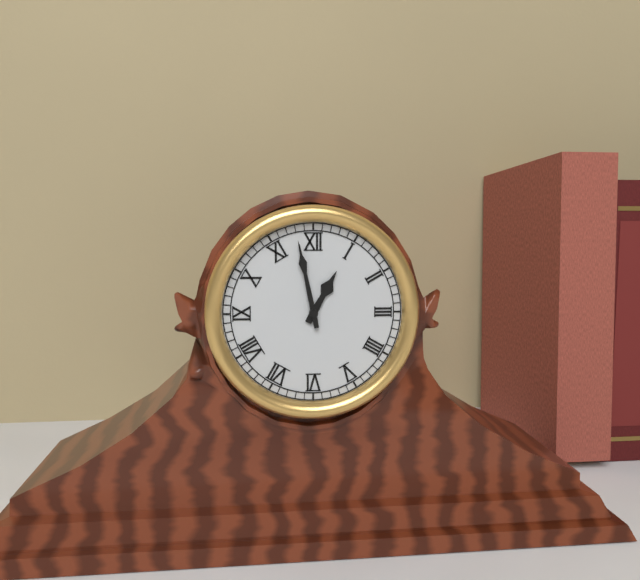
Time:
{"hour": 12, "minute": 58}
